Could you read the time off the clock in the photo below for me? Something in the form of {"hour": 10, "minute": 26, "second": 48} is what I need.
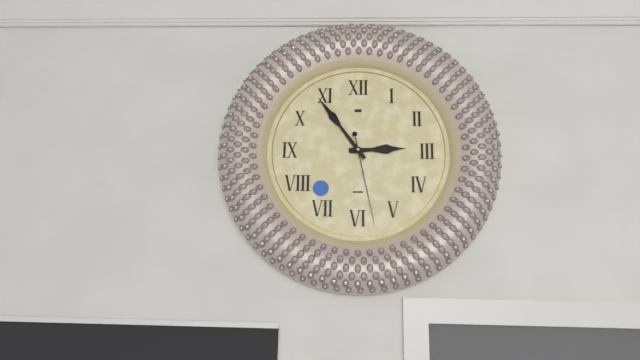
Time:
{"hour": 2, "minute": 54, "second": 28}
